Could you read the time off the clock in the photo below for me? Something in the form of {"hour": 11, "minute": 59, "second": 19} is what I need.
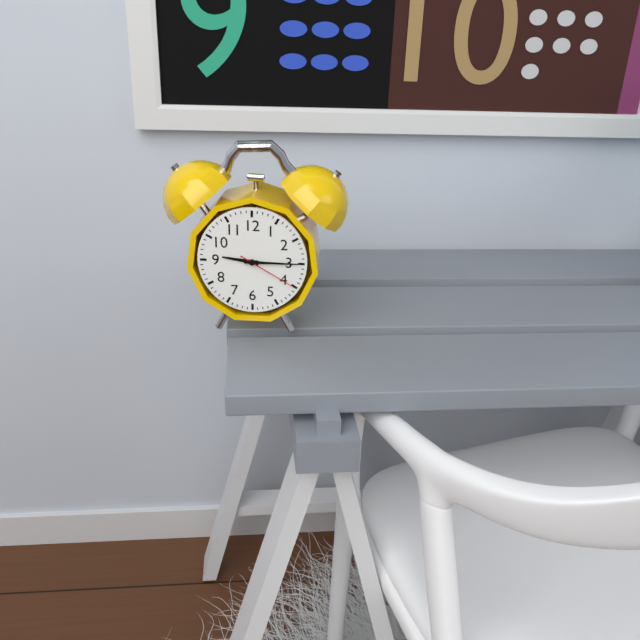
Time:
{"hour": 9, "minute": 15, "second": 20}
